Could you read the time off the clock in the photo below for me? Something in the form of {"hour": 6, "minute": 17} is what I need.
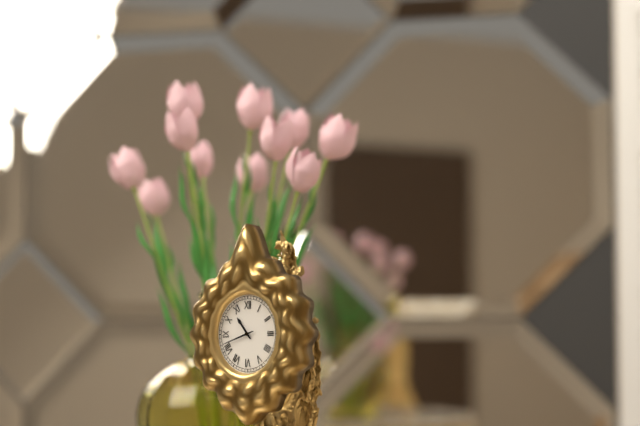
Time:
{"hour": 10, "minute": 42}
